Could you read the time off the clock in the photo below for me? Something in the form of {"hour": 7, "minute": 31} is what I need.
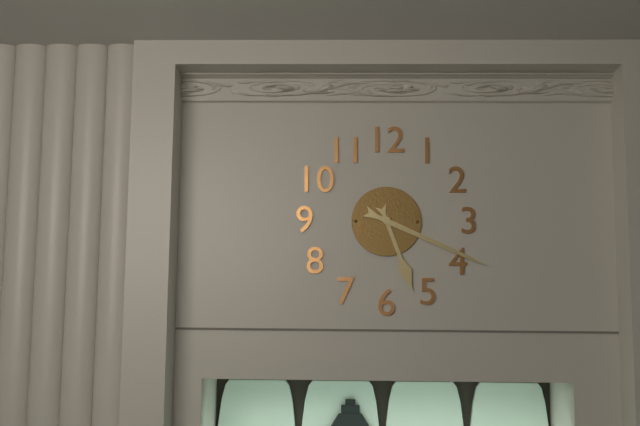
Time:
{"hour": 5, "minute": 19}
